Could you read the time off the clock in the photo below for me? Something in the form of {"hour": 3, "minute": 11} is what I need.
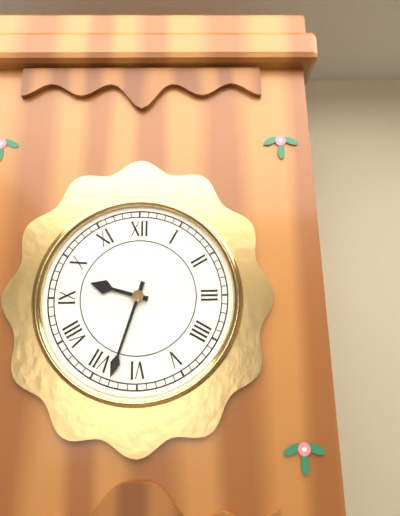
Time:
{"hour": 9, "minute": 33}
